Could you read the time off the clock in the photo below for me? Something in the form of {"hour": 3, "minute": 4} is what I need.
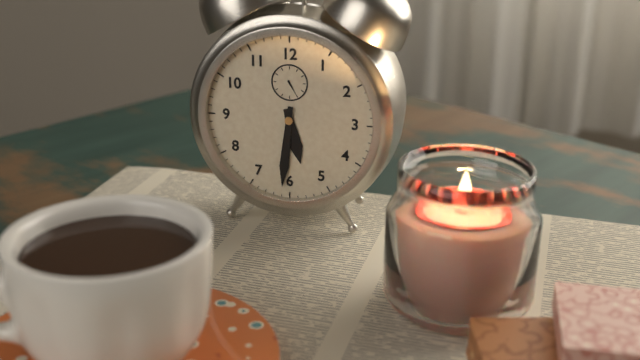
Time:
{"hour": 5, "minute": 31}
